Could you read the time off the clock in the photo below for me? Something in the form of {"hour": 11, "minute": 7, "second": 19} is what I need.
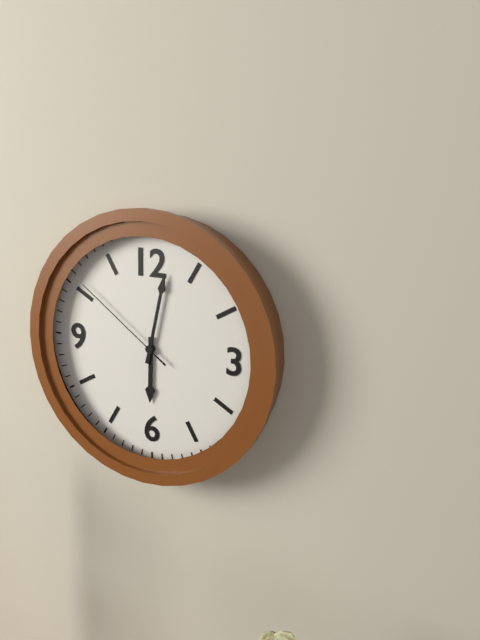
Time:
{"hour": 6, "minute": 2, "second": 51}
